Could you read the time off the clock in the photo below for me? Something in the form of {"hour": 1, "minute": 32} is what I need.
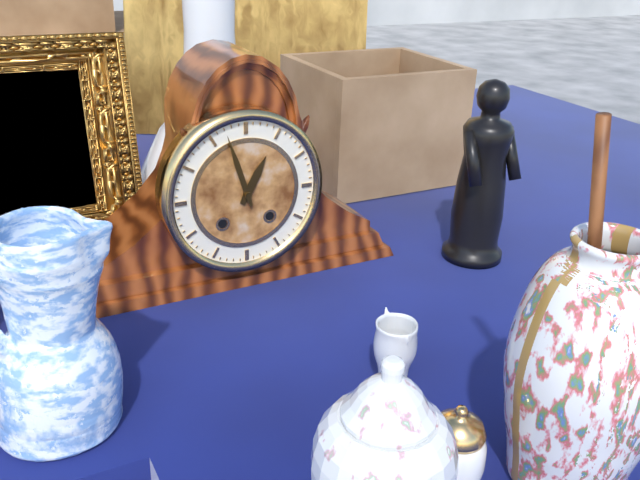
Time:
{"hour": 12, "minute": 57}
